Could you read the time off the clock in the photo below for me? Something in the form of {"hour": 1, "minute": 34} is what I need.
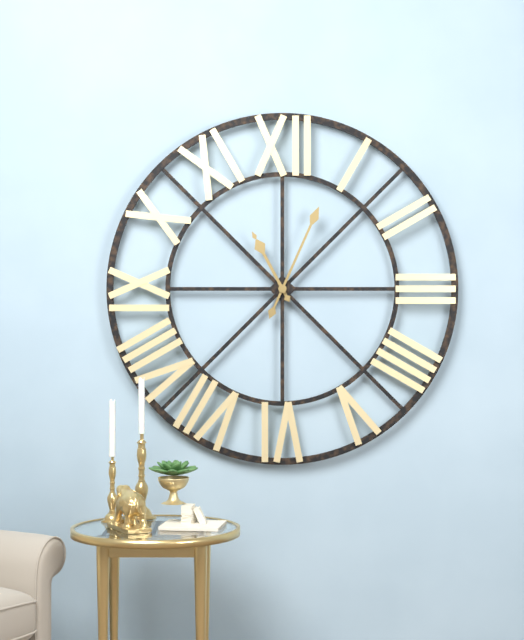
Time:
{"hour": 11, "minute": 4}
